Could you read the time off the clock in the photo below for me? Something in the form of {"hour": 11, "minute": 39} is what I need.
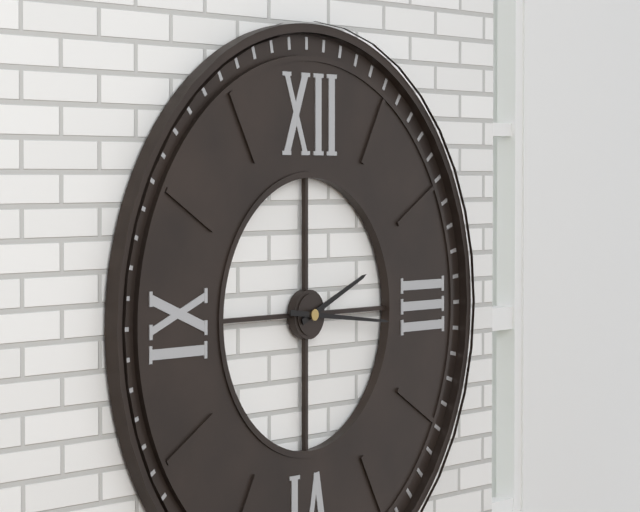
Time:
{"hour": 2, "minute": 16}
